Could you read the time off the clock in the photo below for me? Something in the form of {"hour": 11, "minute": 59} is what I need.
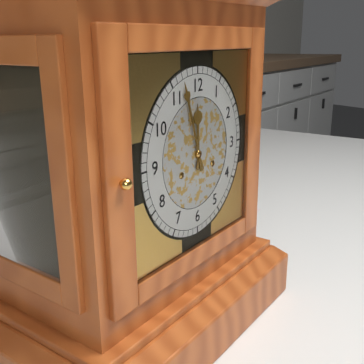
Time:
{"hour": 11, "minute": 57}
